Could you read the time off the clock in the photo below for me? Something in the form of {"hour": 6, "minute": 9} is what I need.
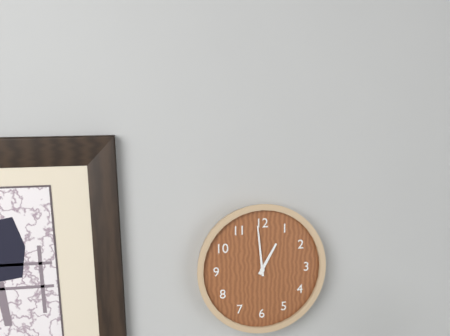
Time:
{"hour": 12, "minute": 59}
